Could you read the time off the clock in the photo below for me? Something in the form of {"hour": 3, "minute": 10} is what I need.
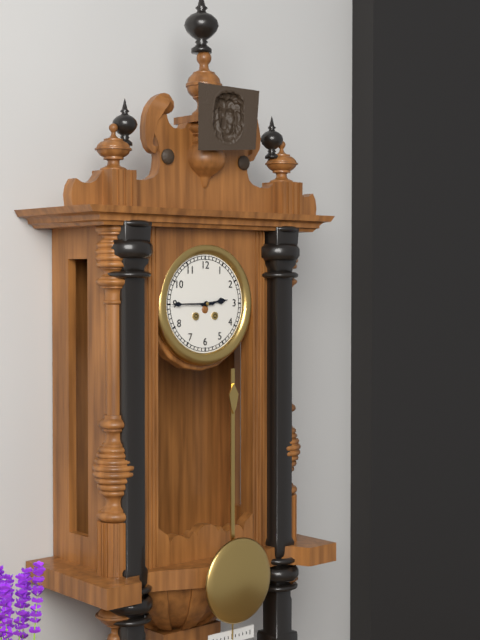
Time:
{"hour": 2, "minute": 45}
